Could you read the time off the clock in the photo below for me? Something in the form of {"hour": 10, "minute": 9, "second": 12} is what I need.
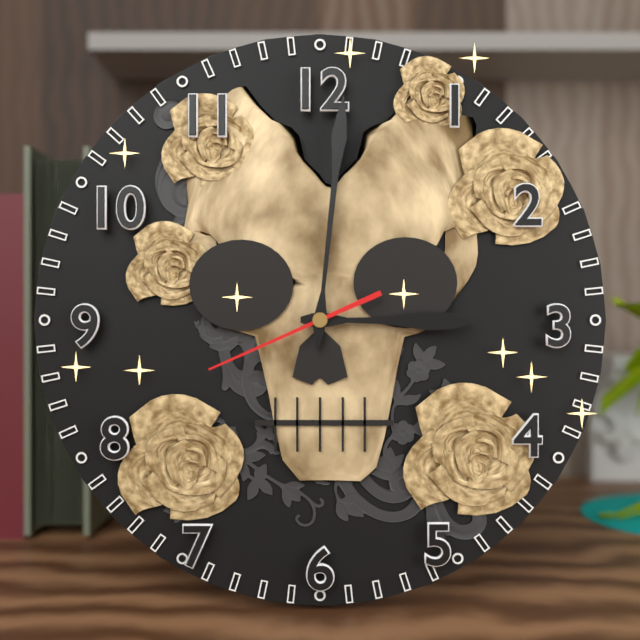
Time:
{"hour": 3, "minute": 1, "second": 41}
